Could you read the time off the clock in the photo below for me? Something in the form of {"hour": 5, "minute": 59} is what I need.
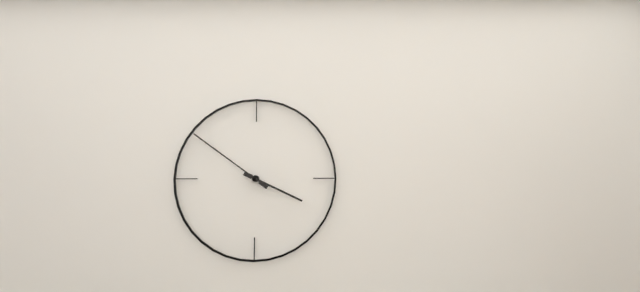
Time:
{"hour": 3, "minute": 51}
